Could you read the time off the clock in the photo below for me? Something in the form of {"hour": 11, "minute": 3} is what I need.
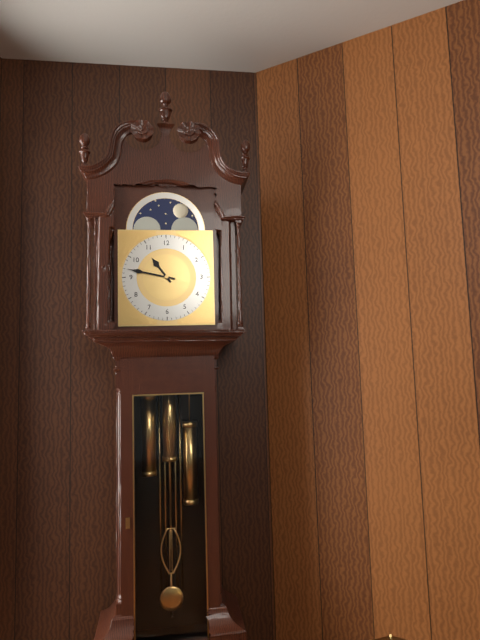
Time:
{"hour": 10, "minute": 47}
